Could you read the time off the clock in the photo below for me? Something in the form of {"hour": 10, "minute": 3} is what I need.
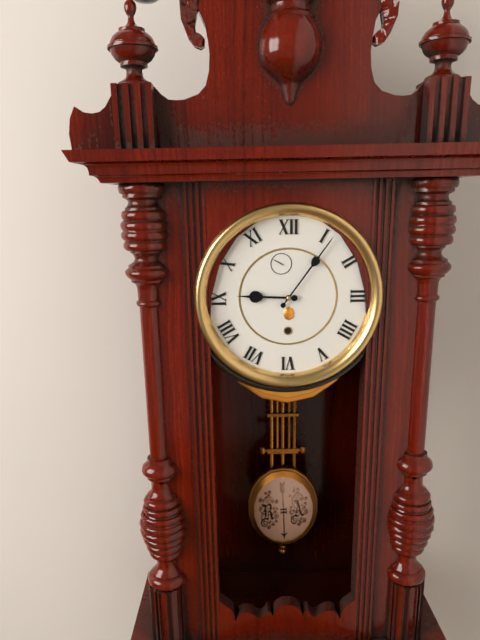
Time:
{"hour": 9, "minute": 6}
